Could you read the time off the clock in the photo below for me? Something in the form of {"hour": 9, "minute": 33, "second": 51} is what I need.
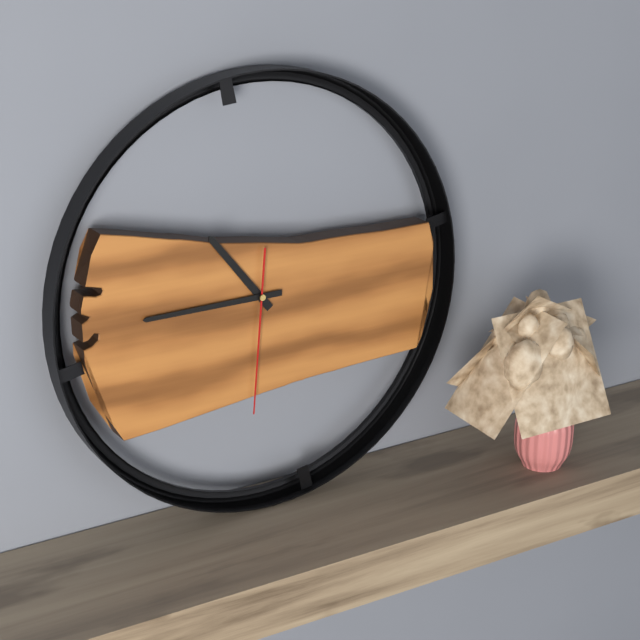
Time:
{"hour": 10, "minute": 45, "second": 31}
